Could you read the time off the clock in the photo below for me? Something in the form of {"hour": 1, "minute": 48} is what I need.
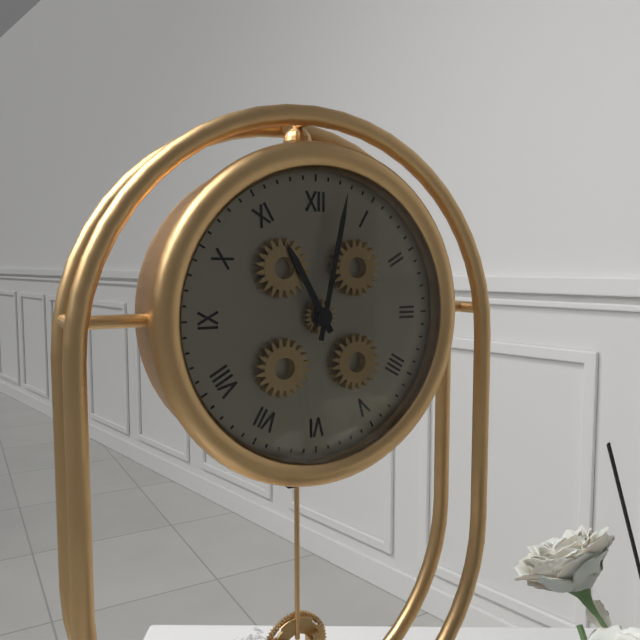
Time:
{"hour": 11, "minute": 2}
